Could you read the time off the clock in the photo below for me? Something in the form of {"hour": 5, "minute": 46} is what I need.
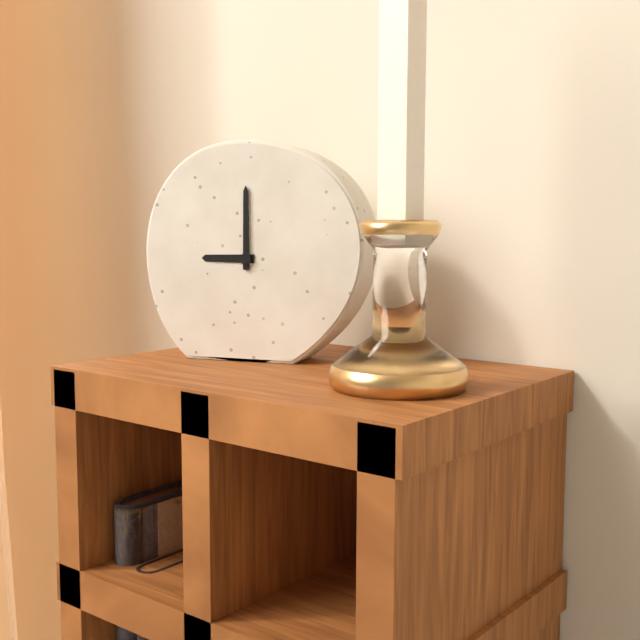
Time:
{"hour": 9, "minute": 0}
